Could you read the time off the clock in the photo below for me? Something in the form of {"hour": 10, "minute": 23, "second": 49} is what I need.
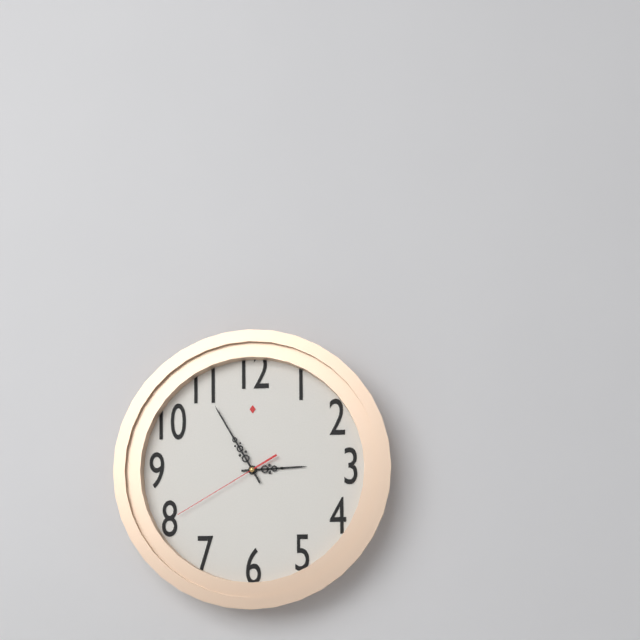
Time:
{"hour": 2, "minute": 55, "second": 40}
